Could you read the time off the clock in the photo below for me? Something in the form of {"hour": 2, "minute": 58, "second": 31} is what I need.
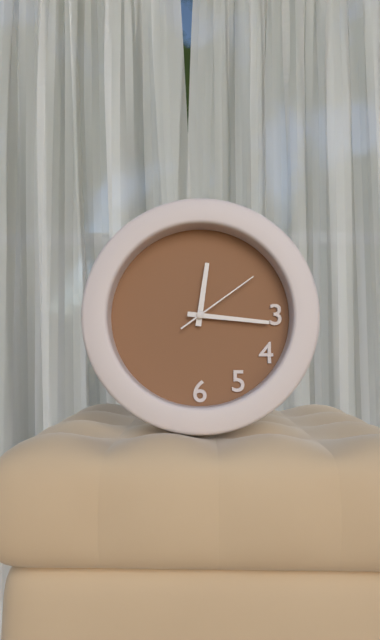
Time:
{"hour": 12, "minute": 16, "second": 9}
